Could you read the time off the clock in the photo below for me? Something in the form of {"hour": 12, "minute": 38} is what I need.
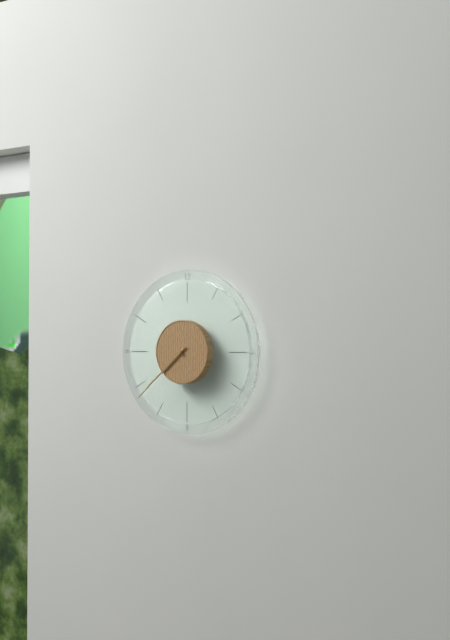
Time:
{"hour": 7, "minute": 38}
